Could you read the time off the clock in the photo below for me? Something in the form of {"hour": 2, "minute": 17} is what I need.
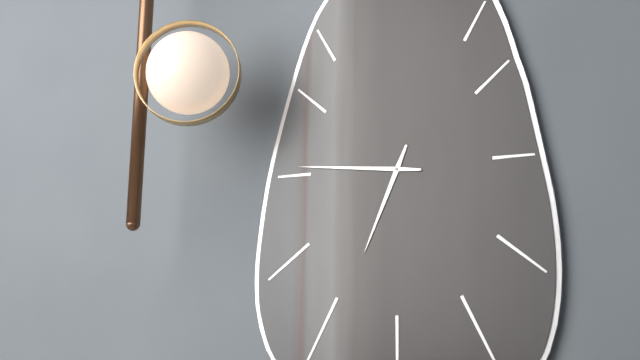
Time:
{"hour": 6, "minute": 46}
